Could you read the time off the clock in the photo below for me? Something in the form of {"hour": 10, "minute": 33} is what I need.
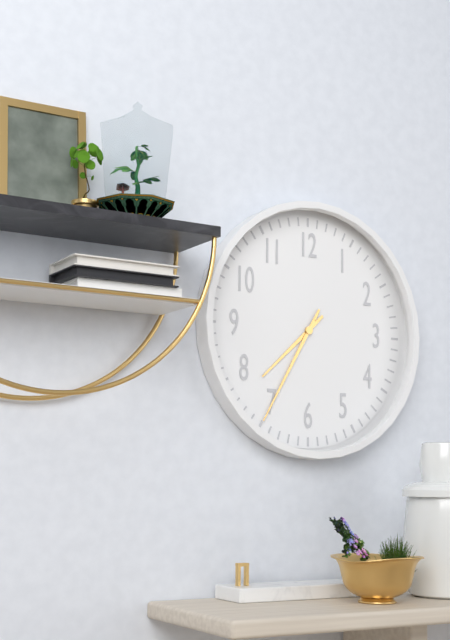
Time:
{"hour": 7, "minute": 35}
